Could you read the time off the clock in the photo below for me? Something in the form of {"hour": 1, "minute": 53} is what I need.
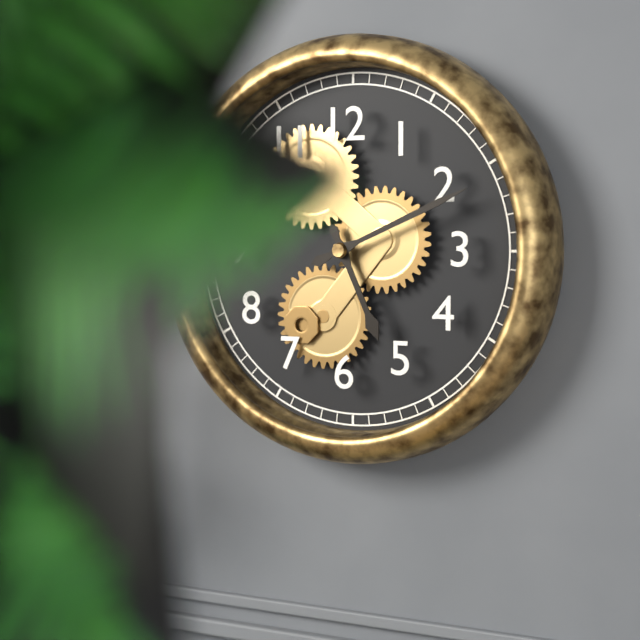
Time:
{"hour": 5, "minute": 11}
